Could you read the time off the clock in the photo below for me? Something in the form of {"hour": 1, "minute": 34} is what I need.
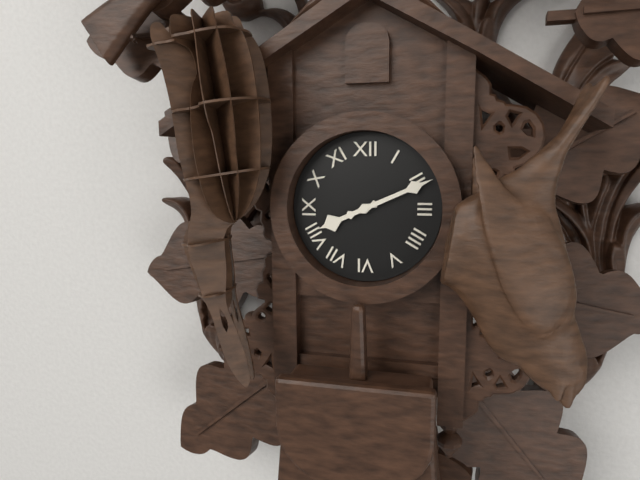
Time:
{"hour": 8, "minute": 11}
